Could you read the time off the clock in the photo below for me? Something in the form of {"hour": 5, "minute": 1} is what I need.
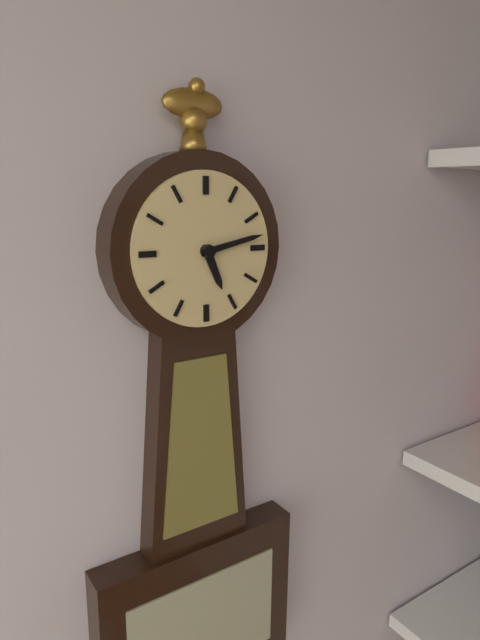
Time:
{"hour": 5, "minute": 13}
